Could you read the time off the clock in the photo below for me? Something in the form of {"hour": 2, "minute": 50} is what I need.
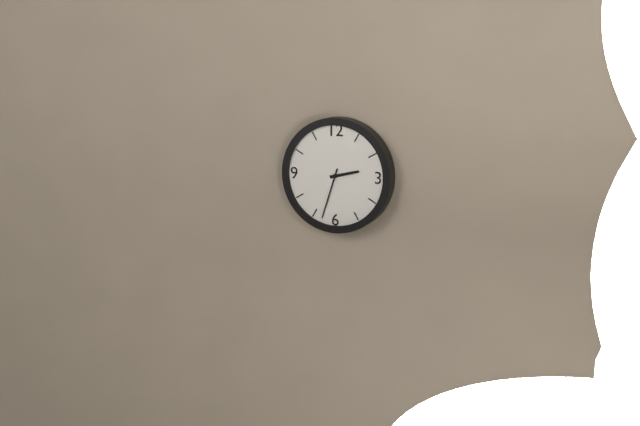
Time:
{"hour": 2, "minute": 33}
